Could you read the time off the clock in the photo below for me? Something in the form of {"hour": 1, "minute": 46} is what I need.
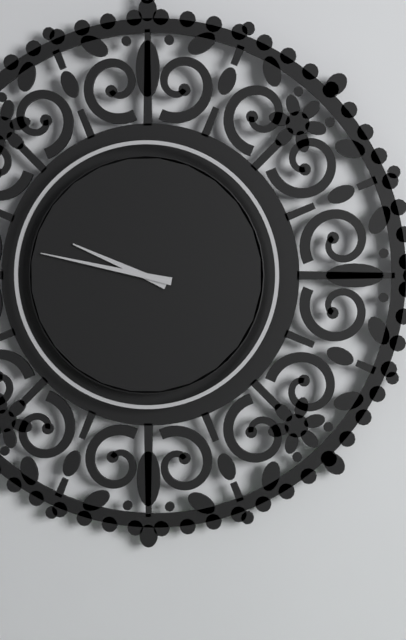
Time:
{"hour": 9, "minute": 47}
